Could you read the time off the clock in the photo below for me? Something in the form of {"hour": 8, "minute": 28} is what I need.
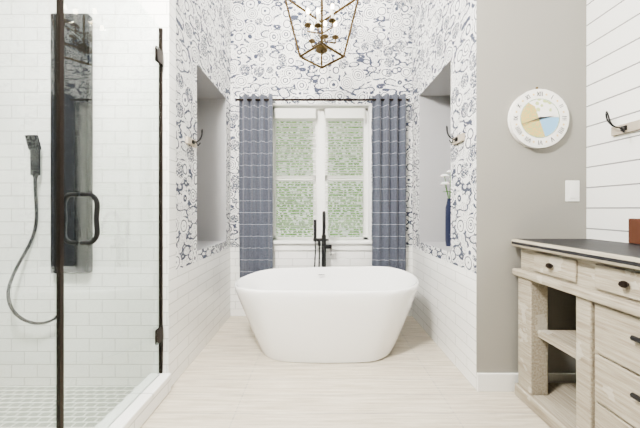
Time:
{"hour": 2, "minute": 42}
